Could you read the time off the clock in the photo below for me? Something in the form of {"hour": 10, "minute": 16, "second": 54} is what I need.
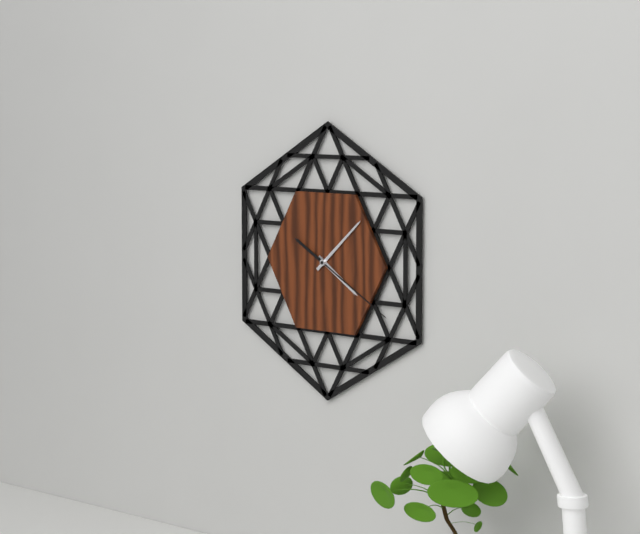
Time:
{"hour": 4, "minute": 8, "second": 20}
